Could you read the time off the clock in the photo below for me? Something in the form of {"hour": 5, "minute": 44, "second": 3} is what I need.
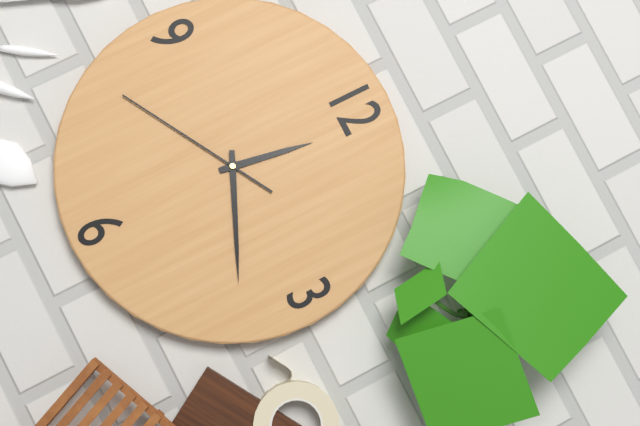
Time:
{"hour": 12, "minute": 19, "second": 40}
